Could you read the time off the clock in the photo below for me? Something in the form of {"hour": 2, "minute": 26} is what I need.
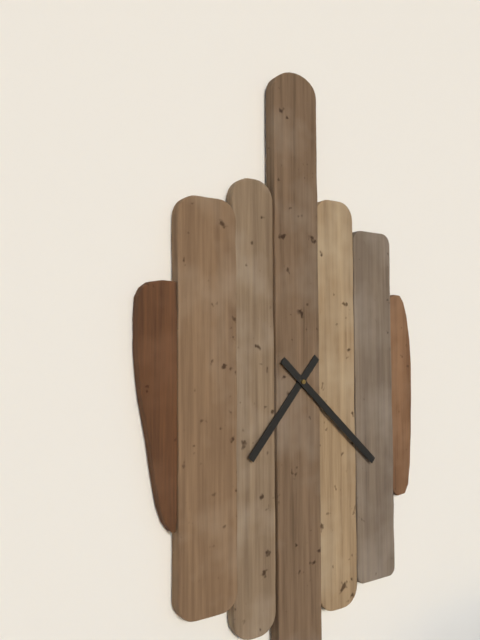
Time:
{"hour": 7, "minute": 22}
